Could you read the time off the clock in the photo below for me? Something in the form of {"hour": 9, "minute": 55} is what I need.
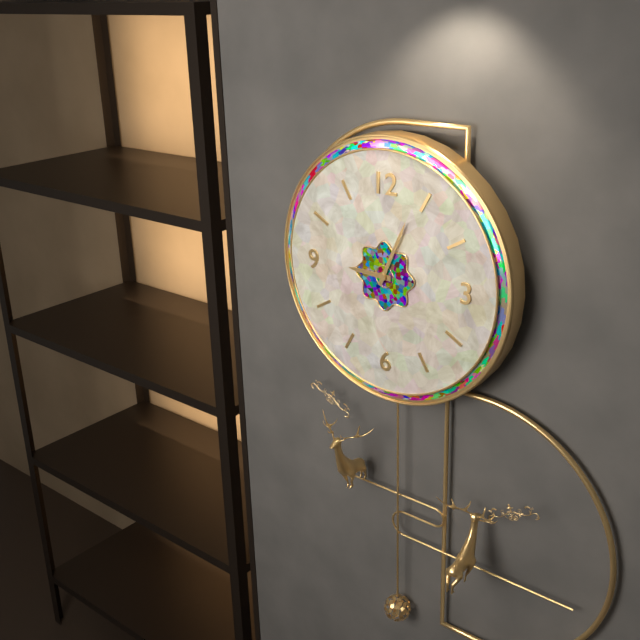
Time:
{"hour": 9, "minute": 4}
